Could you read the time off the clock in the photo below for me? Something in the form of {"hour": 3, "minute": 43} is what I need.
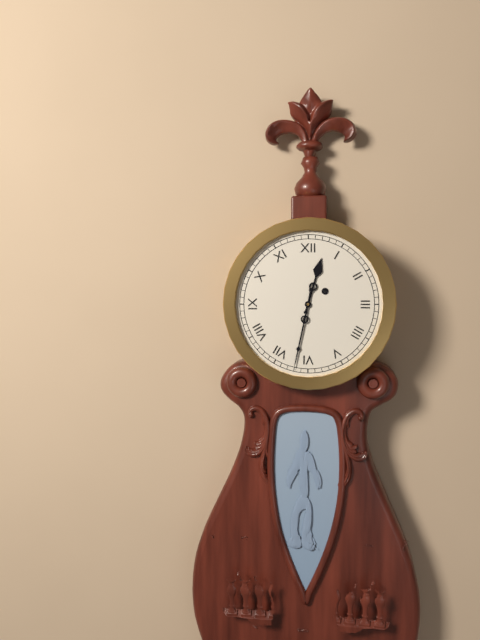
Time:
{"hour": 12, "minute": 32}
